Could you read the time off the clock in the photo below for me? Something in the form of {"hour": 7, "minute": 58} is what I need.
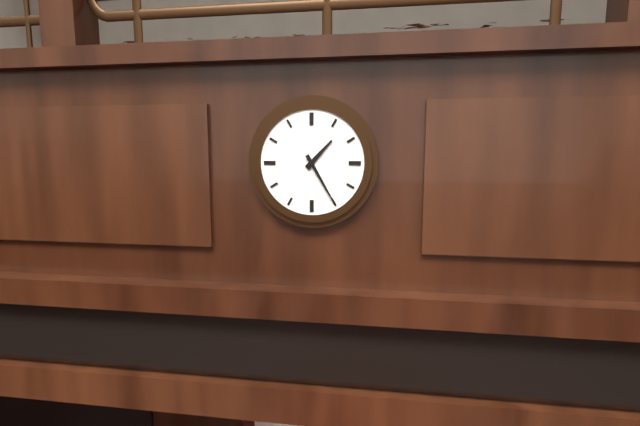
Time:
{"hour": 1, "minute": 25}
